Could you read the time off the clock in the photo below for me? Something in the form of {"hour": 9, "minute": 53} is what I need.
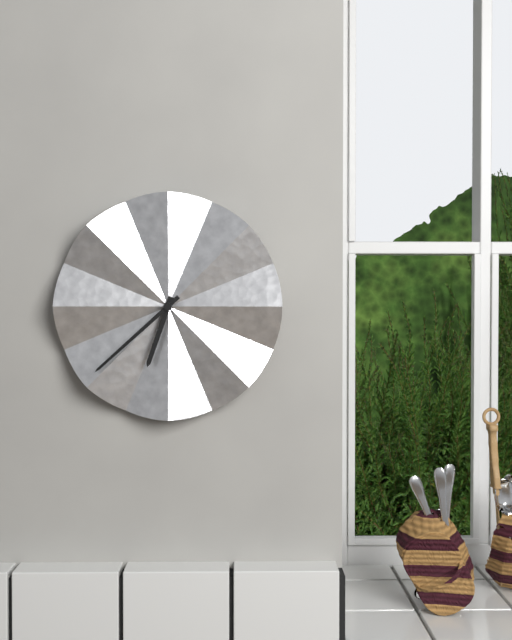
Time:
{"hour": 6, "minute": 38}
